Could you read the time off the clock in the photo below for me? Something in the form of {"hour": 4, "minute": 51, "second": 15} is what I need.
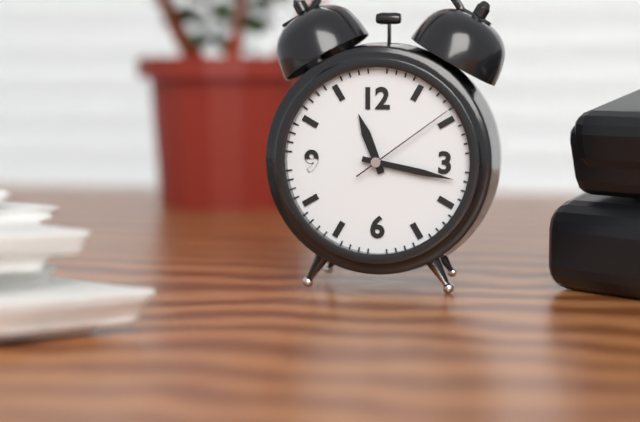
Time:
{"hour": 11, "minute": 17, "second": 9}
